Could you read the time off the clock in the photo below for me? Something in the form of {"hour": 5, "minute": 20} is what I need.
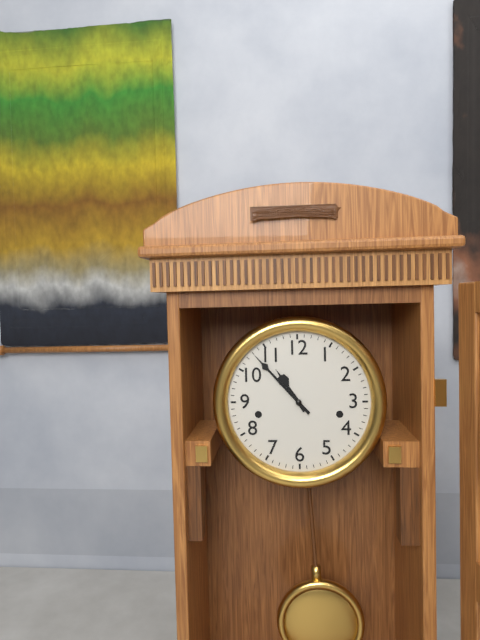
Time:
{"hour": 10, "minute": 53}
